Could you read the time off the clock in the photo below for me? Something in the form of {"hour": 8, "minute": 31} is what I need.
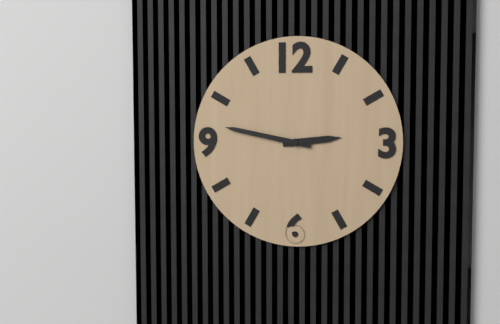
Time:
{"hour": 2, "minute": 47}
